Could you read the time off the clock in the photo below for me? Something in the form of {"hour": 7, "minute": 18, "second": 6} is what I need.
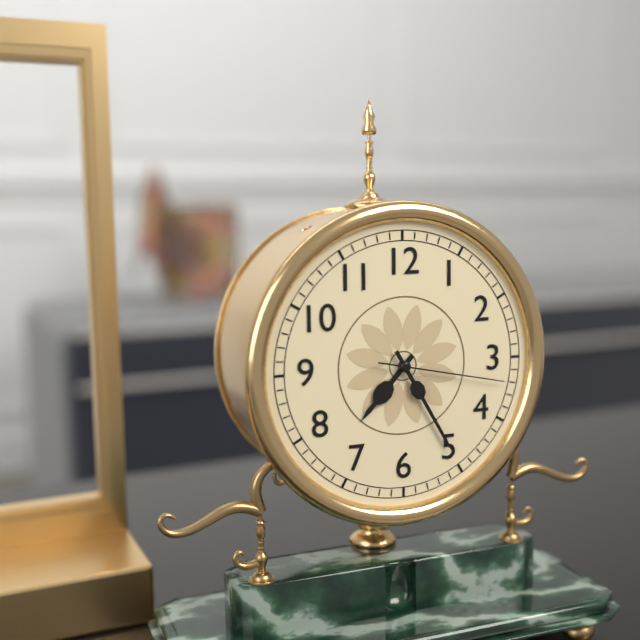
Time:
{"hour": 7, "minute": 25, "second": 17}
